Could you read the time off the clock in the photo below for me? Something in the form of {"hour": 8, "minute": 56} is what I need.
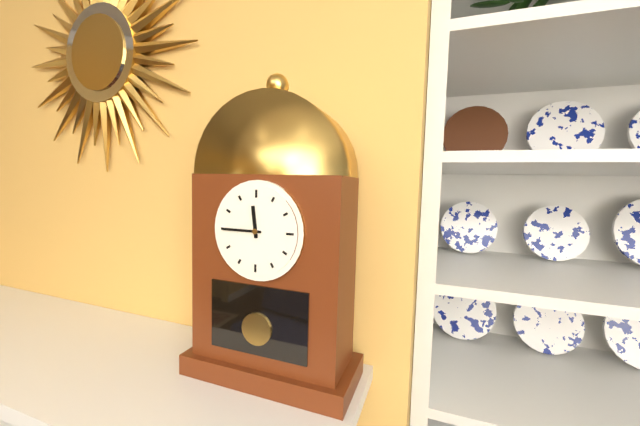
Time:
{"hour": 11, "minute": 45}
